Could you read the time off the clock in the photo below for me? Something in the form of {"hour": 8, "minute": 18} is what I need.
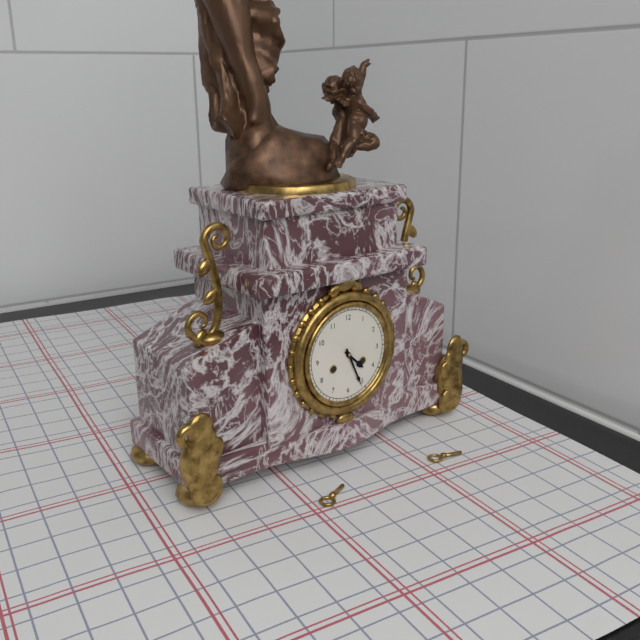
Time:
{"hour": 4, "minute": 26}
